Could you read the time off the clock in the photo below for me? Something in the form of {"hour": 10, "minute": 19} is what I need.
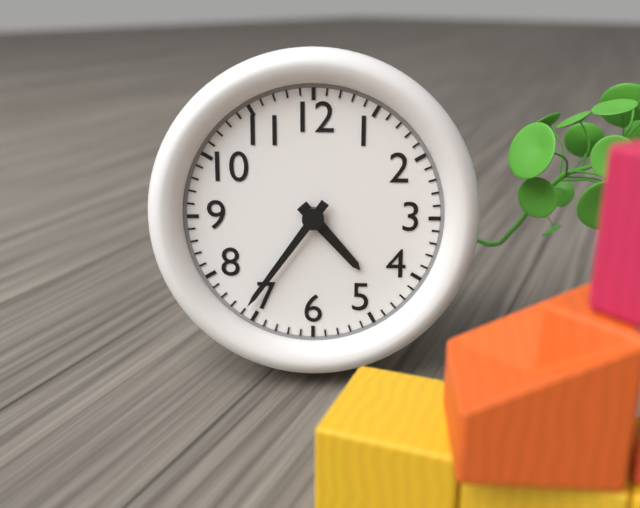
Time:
{"hour": 4, "minute": 36}
